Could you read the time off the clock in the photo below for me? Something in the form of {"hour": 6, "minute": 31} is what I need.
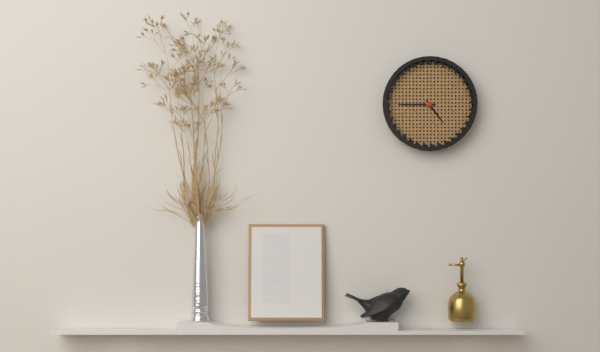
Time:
{"hour": 4, "minute": 45}
